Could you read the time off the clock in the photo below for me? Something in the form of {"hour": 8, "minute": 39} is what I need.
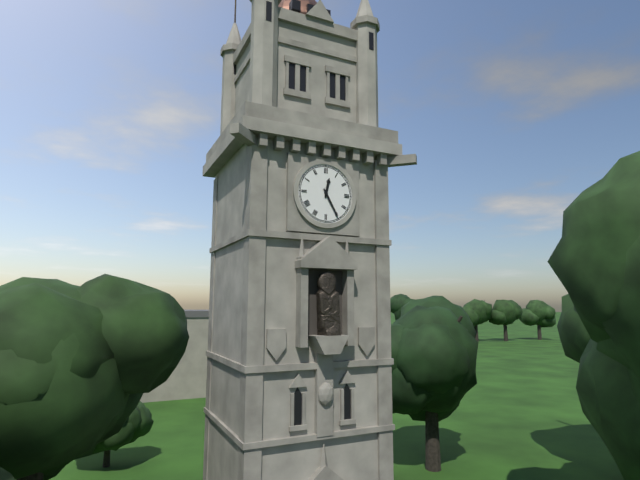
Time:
{"hour": 12, "minute": 25}
